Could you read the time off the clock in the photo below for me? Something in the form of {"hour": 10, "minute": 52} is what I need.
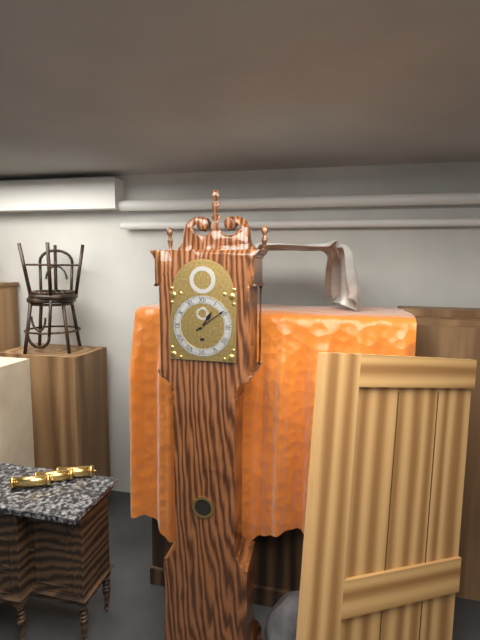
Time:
{"hour": 1, "minute": 9}
